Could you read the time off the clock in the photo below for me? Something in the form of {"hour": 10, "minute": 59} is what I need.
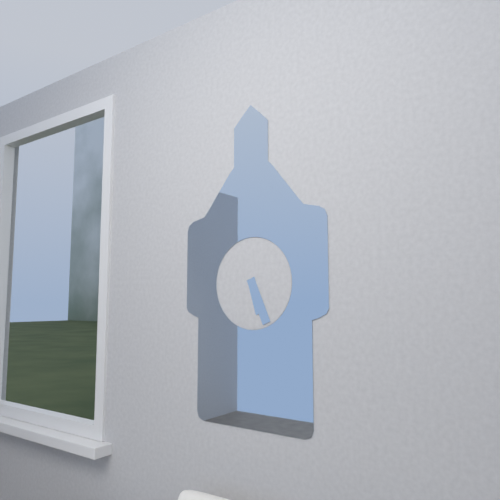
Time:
{"hour": 5, "minute": 26}
